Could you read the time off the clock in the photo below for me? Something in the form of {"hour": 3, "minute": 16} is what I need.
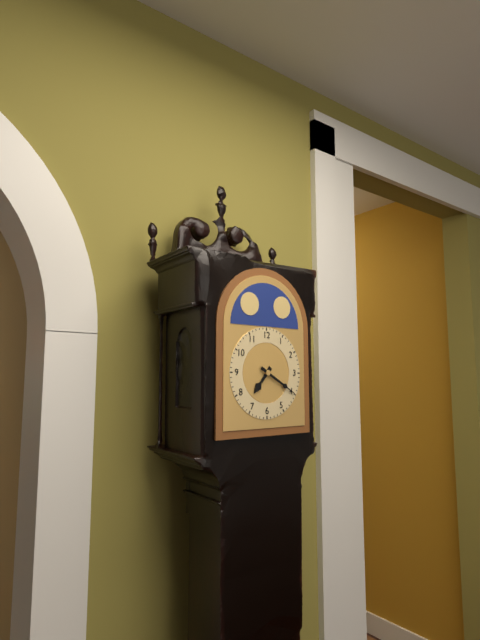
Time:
{"hour": 7, "minute": 20}
